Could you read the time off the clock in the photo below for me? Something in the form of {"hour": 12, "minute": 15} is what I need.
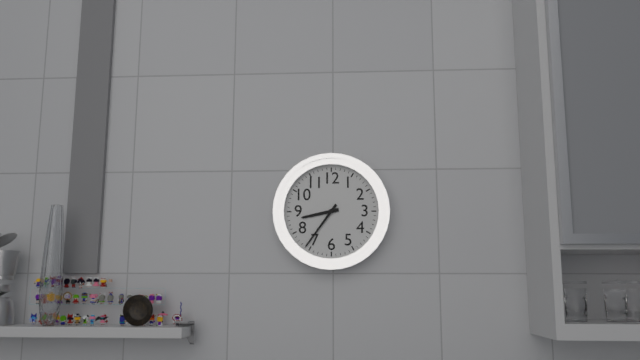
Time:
{"hour": 8, "minute": 36}
